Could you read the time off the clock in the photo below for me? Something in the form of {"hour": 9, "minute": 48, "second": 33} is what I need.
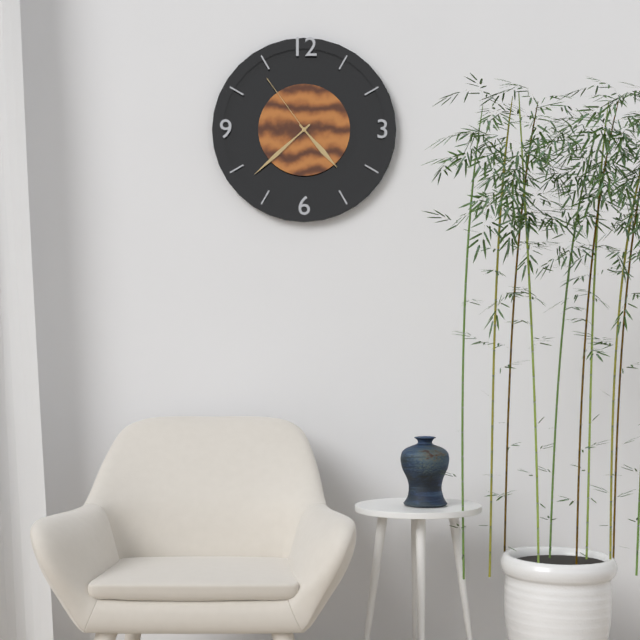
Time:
{"hour": 4, "minute": 38, "second": 54}
